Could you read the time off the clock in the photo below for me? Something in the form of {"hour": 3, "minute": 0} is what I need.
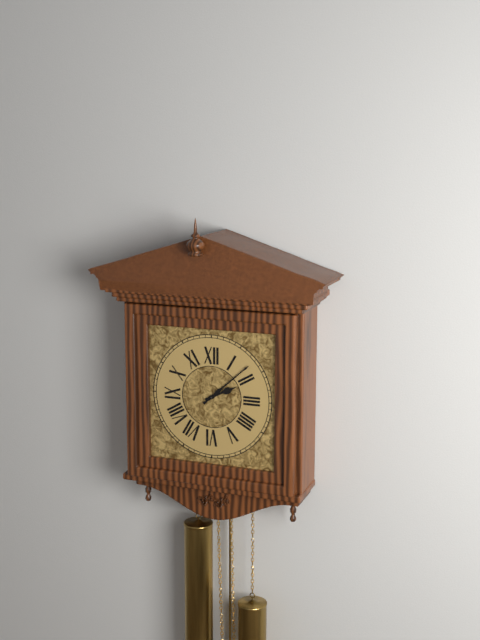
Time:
{"hour": 2, "minute": 8}
